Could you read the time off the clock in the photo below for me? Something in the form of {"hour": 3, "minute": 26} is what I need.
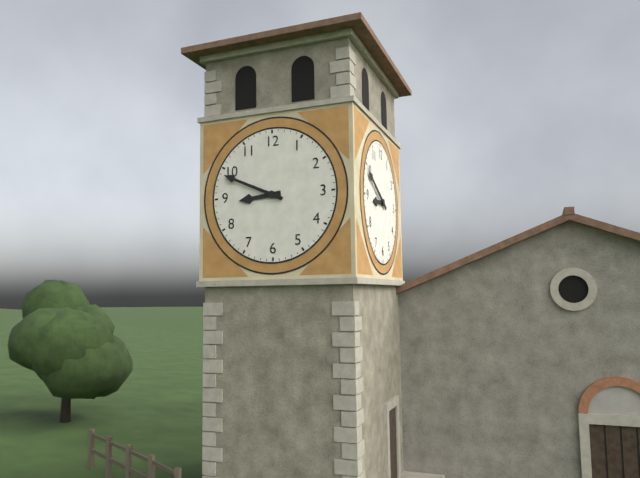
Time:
{"hour": 8, "minute": 49}
